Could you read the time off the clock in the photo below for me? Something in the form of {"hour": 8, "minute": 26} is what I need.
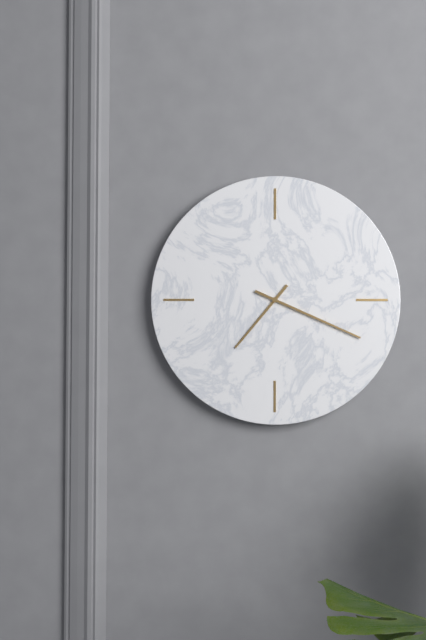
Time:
{"hour": 7, "minute": 19}
